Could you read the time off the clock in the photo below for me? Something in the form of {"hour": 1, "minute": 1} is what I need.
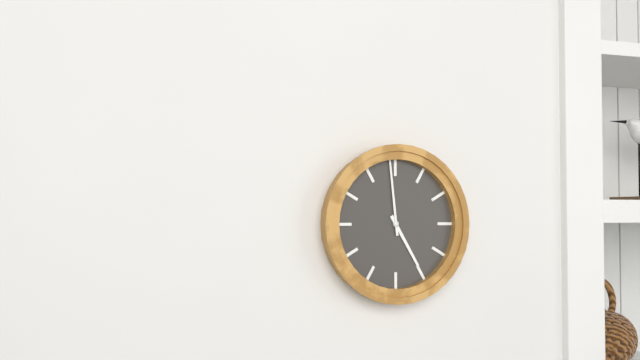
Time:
{"hour": 4, "minute": 59}
